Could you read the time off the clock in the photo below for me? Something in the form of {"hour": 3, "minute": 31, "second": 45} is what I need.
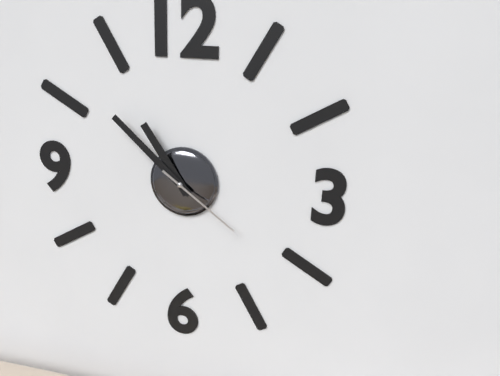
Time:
{"hour": 10, "minute": 52, "second": 21}
